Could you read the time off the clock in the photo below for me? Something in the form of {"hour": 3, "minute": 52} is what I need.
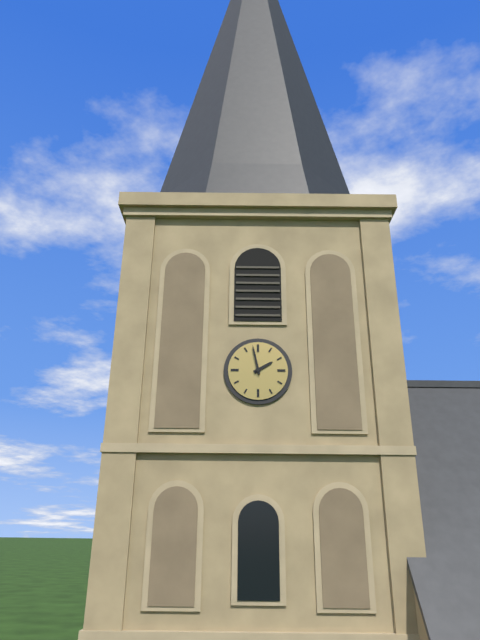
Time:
{"hour": 1, "minute": 58}
